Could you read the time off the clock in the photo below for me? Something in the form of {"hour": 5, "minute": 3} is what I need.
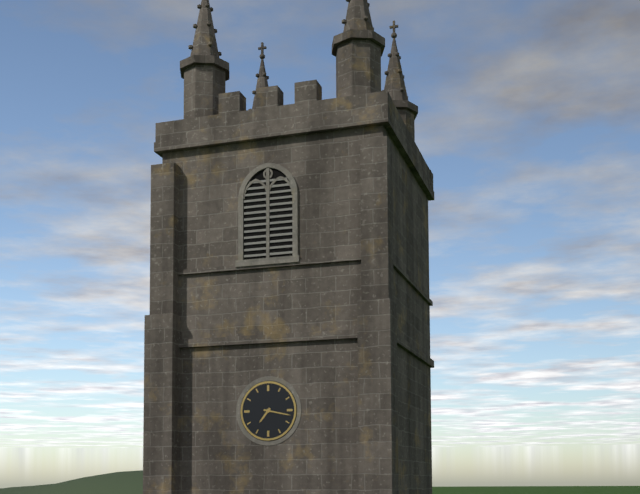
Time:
{"hour": 7, "minute": 17}
